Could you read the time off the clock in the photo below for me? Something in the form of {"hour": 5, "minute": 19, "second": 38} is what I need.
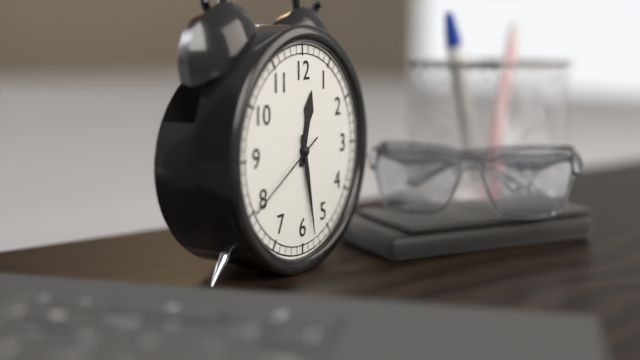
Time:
{"hour": 12, "minute": 28, "second": 40}
